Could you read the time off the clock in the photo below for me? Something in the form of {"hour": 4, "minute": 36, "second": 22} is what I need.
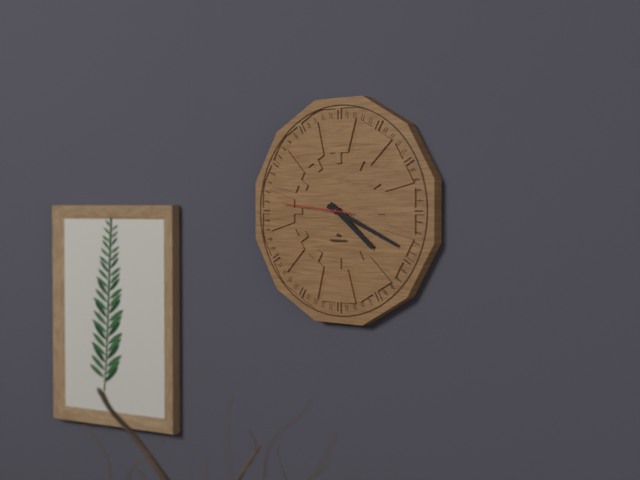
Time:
{"hour": 4, "minute": 19, "second": 46}
